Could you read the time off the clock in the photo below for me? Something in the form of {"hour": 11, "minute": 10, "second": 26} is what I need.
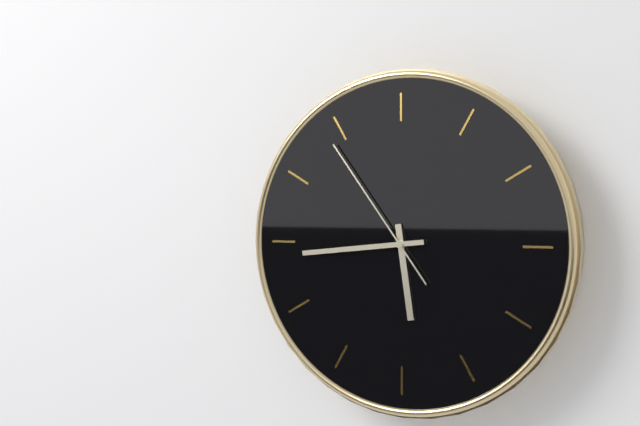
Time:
{"hour": 5, "minute": 44, "second": 54}
